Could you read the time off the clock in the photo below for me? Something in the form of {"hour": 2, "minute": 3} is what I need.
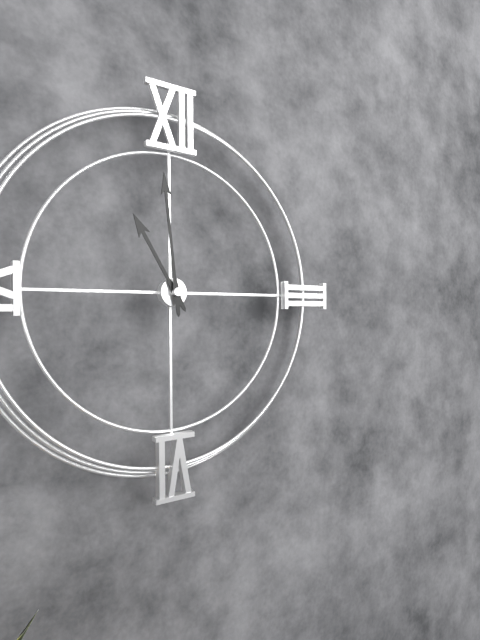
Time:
{"hour": 10, "minute": 59}
